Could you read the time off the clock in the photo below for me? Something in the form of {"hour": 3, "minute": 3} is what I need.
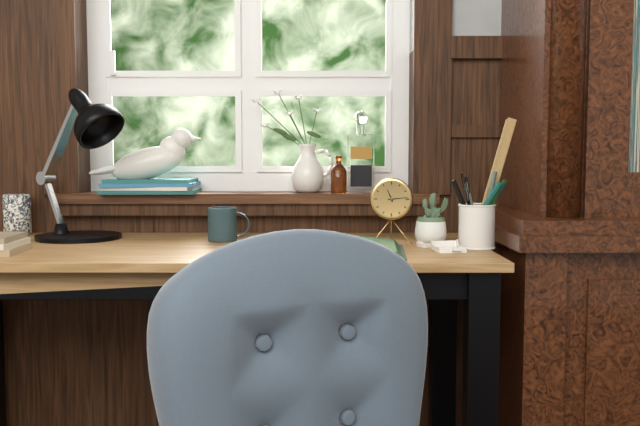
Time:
{"hour": 11, "minute": 14}
